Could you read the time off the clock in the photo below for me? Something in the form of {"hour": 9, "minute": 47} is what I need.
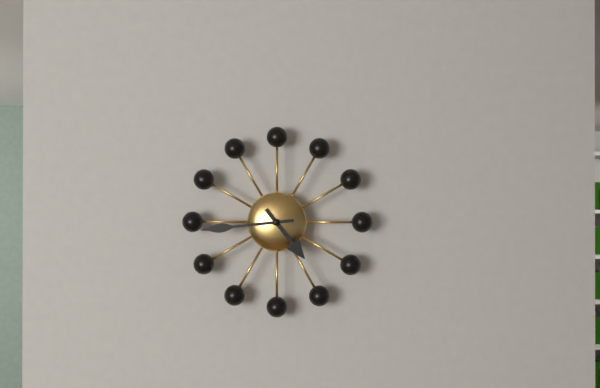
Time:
{"hour": 4, "minute": 44}
